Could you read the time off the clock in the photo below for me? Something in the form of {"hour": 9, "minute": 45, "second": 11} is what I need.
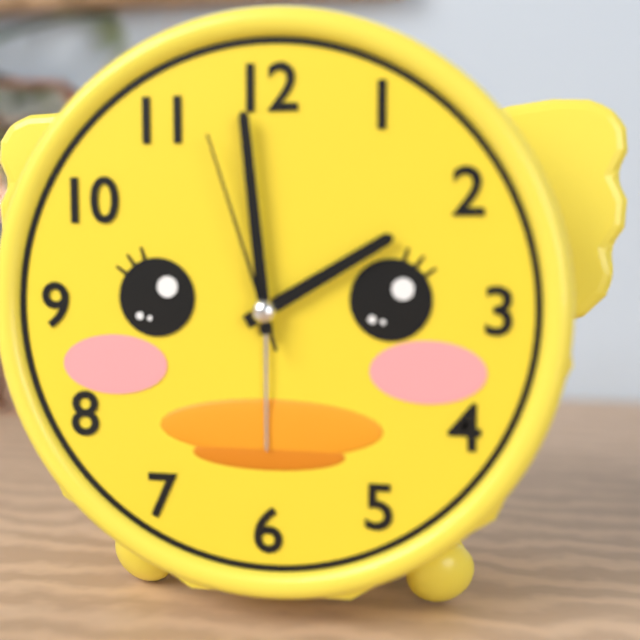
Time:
{"hour": 1, "minute": 59, "second": 57}
